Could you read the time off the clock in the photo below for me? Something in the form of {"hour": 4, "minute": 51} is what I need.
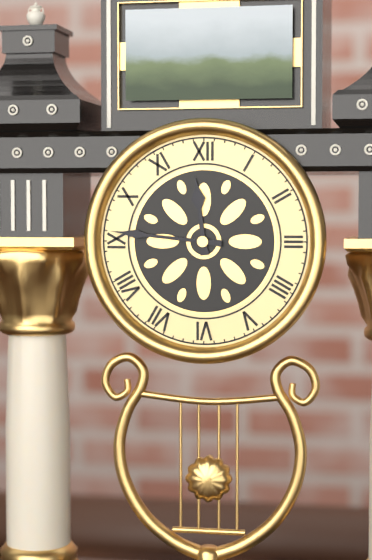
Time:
{"hour": 11, "minute": 46}
